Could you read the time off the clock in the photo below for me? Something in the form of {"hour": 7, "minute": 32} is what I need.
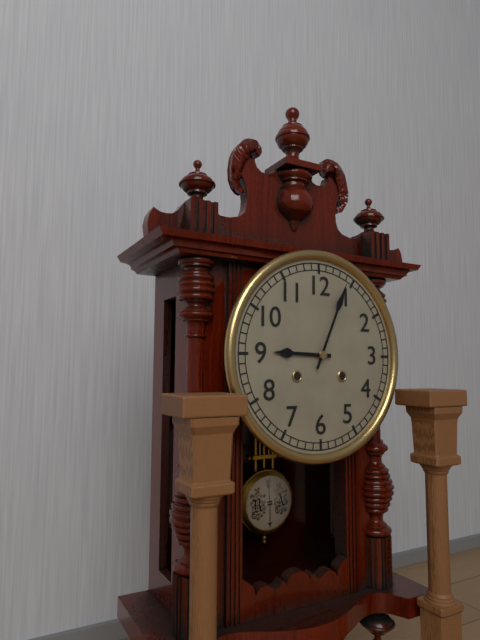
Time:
{"hour": 9, "minute": 4}
